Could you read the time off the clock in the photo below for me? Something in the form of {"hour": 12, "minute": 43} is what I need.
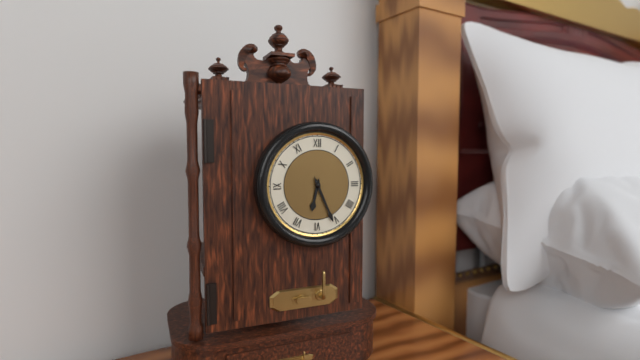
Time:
{"hour": 6, "minute": 26}
